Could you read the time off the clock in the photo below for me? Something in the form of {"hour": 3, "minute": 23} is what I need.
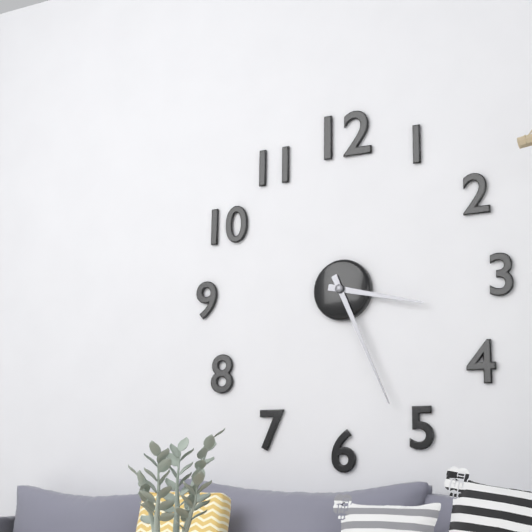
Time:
{"hour": 3, "minute": 26}
